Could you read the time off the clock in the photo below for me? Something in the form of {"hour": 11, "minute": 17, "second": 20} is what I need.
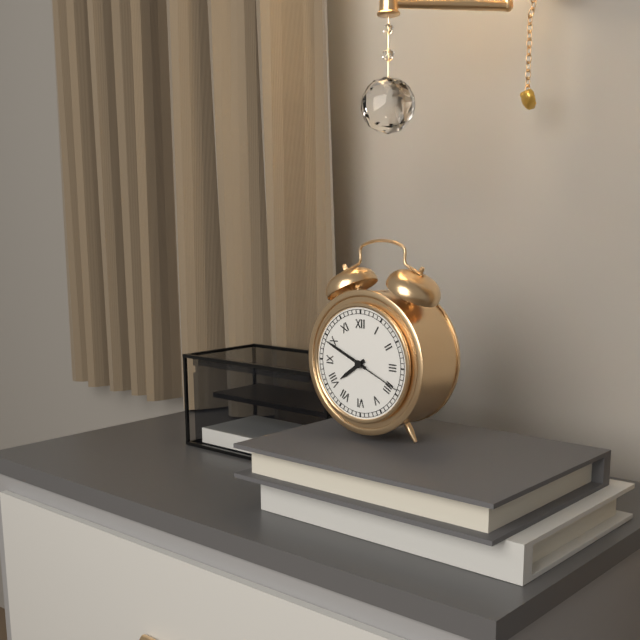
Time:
{"hour": 7, "minute": 49, "second": 19}
